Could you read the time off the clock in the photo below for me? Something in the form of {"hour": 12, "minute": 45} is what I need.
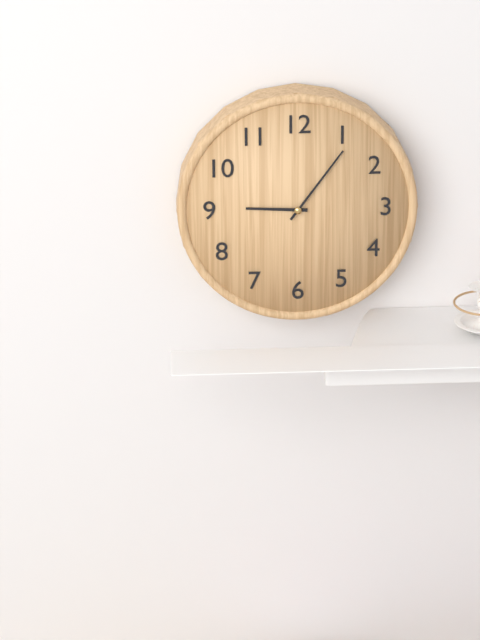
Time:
{"hour": 9, "minute": 6}
